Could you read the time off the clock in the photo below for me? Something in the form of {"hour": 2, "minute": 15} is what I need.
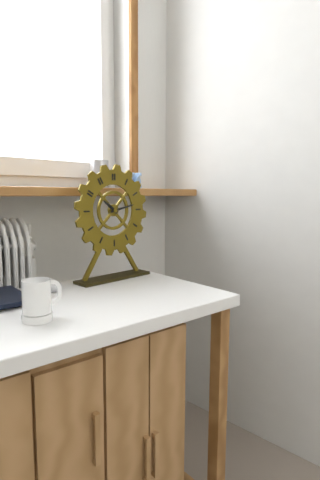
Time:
{"hour": 10, "minute": 13}
